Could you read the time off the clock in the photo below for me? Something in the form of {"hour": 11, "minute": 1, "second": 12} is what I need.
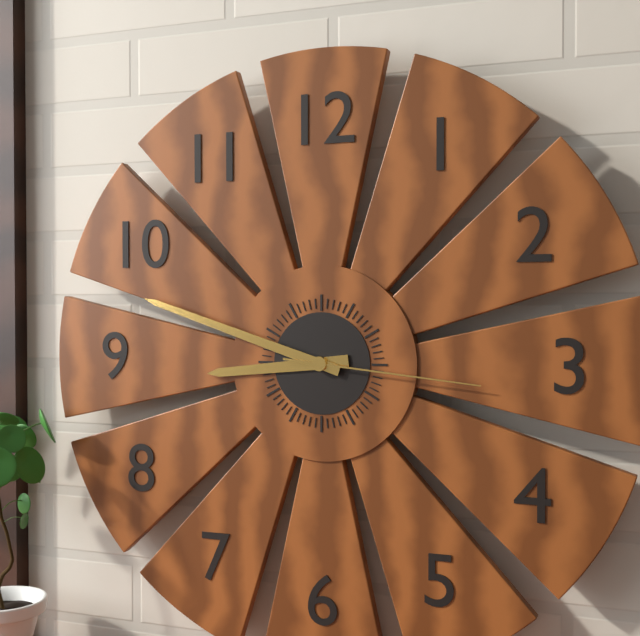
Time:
{"hour": 8, "minute": 48, "second": 16}
